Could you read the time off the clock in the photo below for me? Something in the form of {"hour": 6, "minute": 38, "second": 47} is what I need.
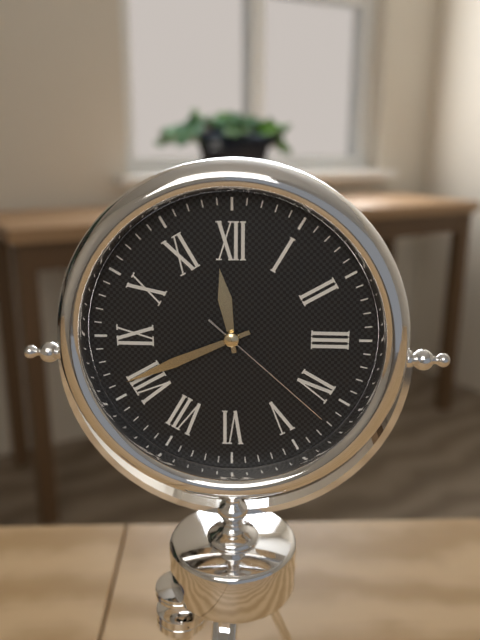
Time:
{"hour": 11, "minute": 41, "second": 22}
